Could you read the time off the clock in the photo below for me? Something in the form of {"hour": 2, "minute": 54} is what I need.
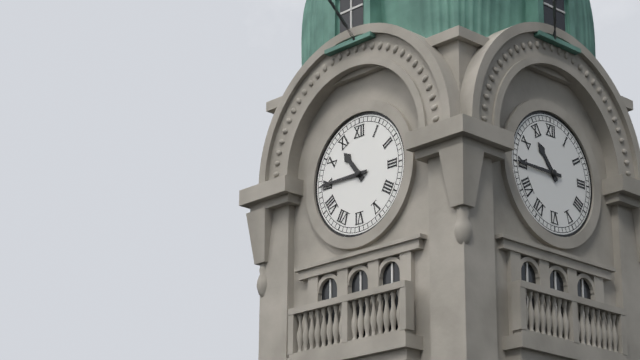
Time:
{"hour": 10, "minute": 45}
